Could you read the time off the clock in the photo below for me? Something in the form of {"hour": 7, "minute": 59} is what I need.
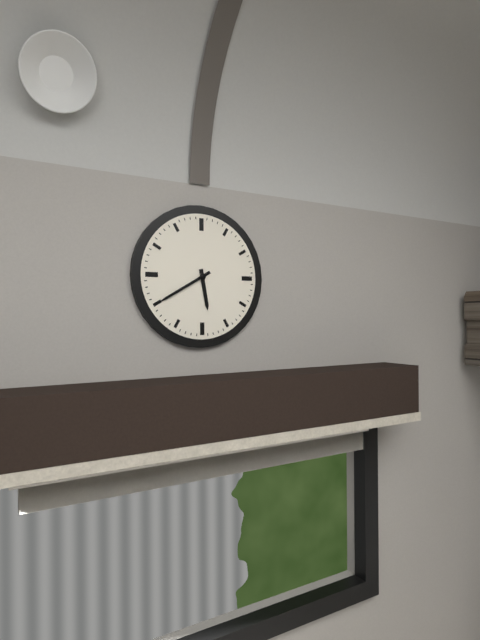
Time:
{"hour": 5, "minute": 40}
